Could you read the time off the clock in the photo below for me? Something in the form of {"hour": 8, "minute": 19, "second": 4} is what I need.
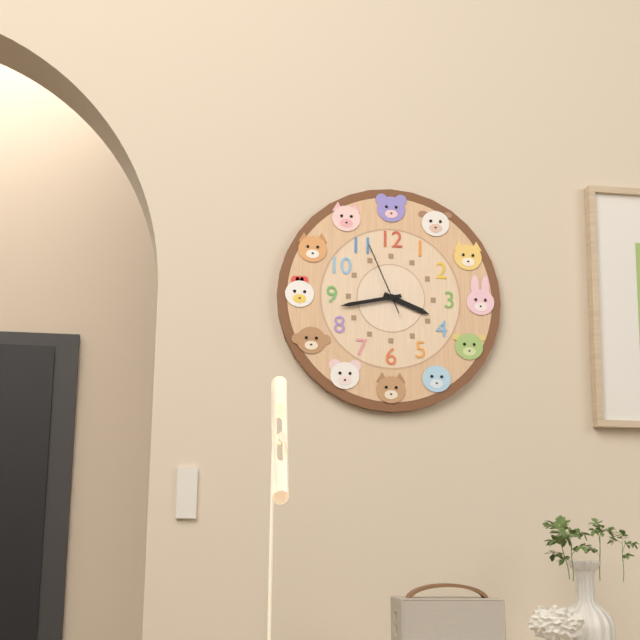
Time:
{"hour": 3, "minute": 43, "second": 56}
